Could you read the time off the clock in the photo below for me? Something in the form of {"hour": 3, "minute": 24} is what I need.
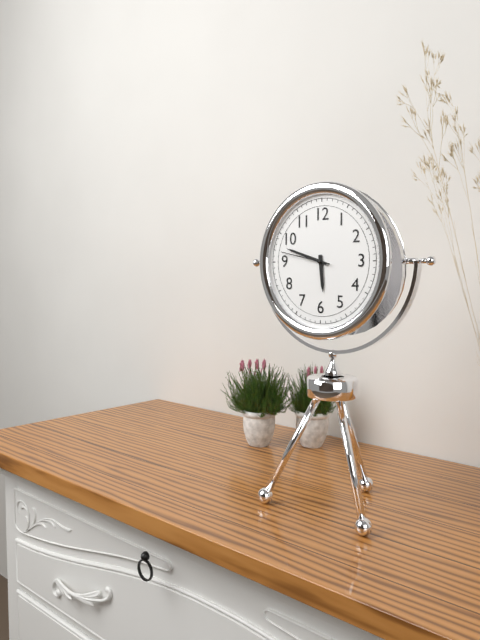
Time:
{"hour": 5, "minute": 48}
